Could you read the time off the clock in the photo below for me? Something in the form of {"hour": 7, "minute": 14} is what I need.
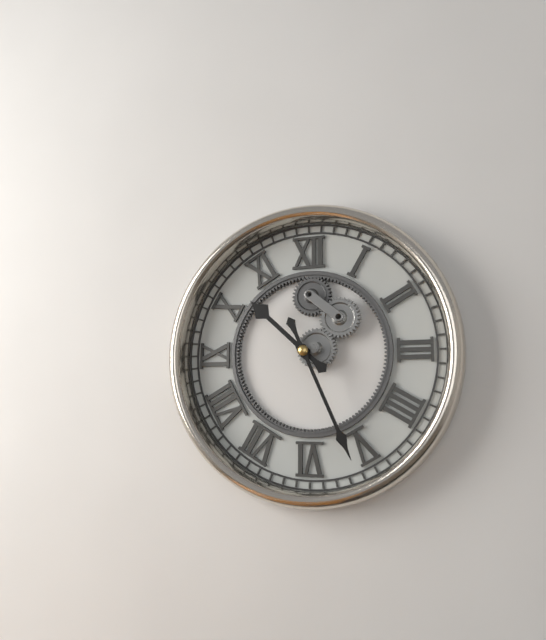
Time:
{"hour": 10, "minute": 26}
